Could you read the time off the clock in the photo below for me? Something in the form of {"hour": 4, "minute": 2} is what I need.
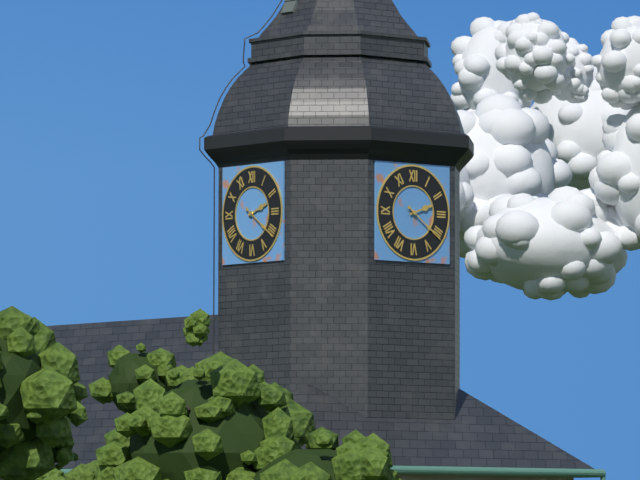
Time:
{"hour": 2, "minute": 21}
